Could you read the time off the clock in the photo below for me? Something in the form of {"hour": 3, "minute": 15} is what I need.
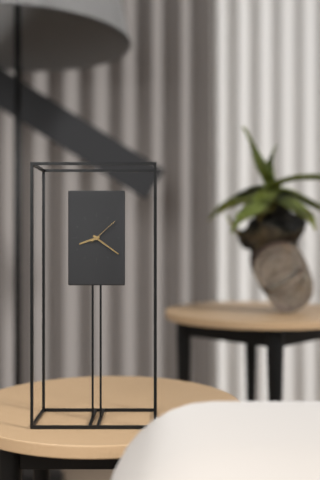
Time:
{"hour": 8, "minute": 21}
